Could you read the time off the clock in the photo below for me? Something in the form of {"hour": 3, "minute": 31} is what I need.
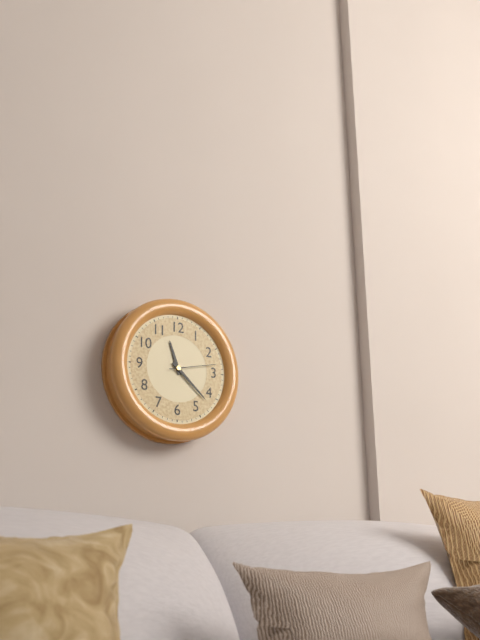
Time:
{"hour": 11, "minute": 22}
